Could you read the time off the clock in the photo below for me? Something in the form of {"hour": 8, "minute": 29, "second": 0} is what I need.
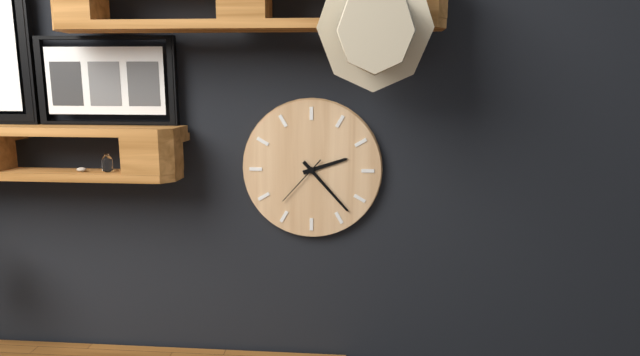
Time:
{"hour": 2, "minute": 23, "second": 37}
